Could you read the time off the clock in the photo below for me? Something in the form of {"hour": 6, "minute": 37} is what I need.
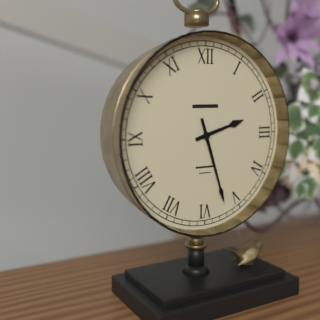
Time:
{"hour": 2, "minute": 27}
